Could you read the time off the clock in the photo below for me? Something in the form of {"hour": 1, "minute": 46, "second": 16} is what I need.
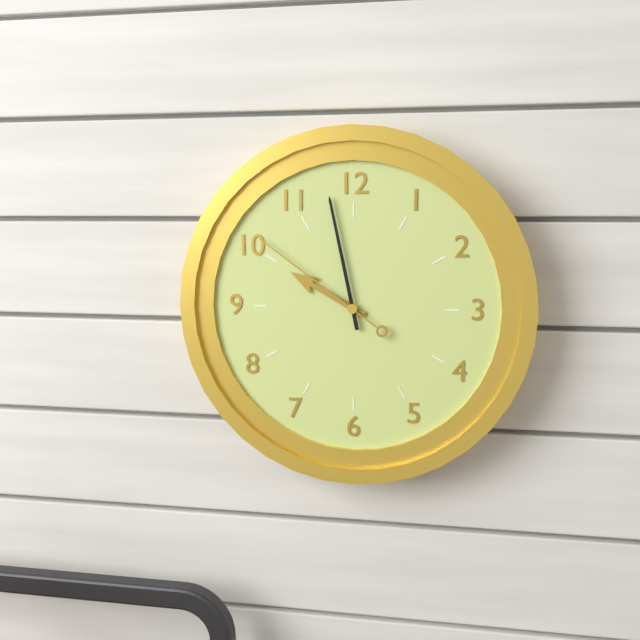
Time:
{"hour": 9, "minute": 58, "second": 51}
